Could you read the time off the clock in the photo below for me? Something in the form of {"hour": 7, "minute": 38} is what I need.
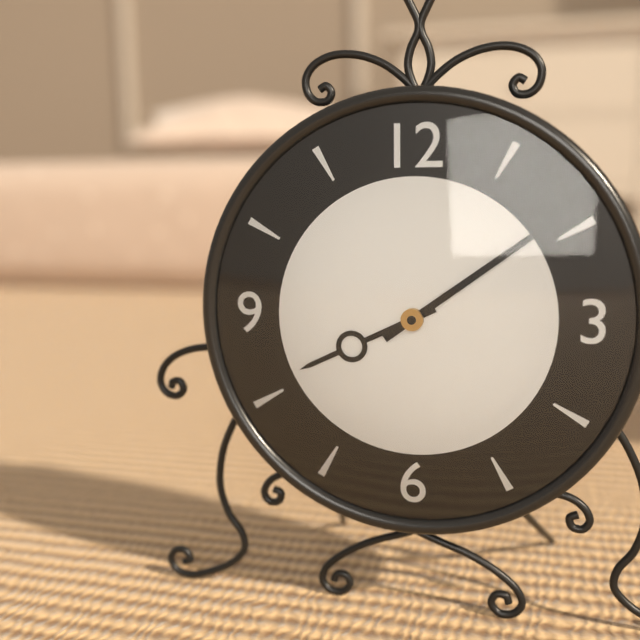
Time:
{"hour": 8, "minute": 9}
